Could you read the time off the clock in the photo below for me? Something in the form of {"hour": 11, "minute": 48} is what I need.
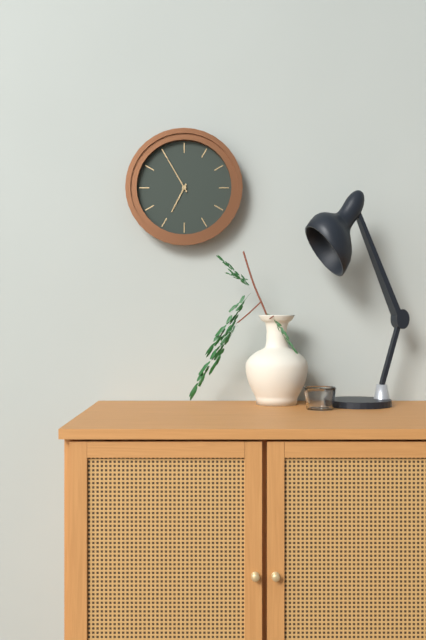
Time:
{"hour": 6, "minute": 55}
